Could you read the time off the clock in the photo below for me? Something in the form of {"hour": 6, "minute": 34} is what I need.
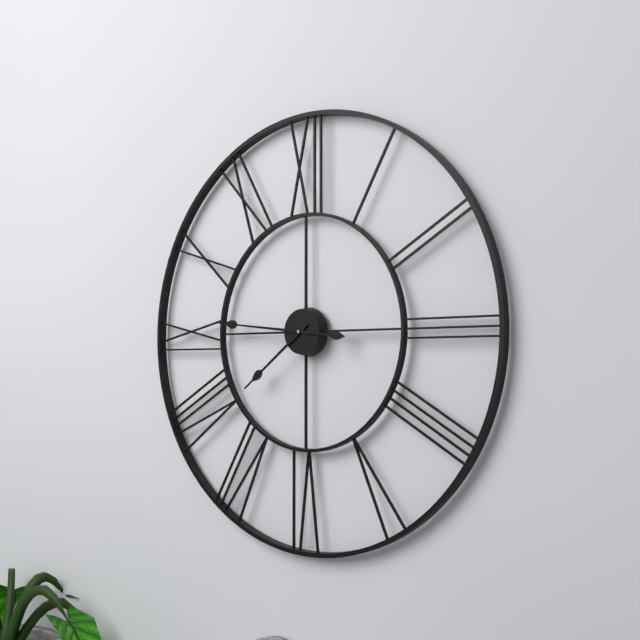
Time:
{"hour": 7, "minute": 46}
